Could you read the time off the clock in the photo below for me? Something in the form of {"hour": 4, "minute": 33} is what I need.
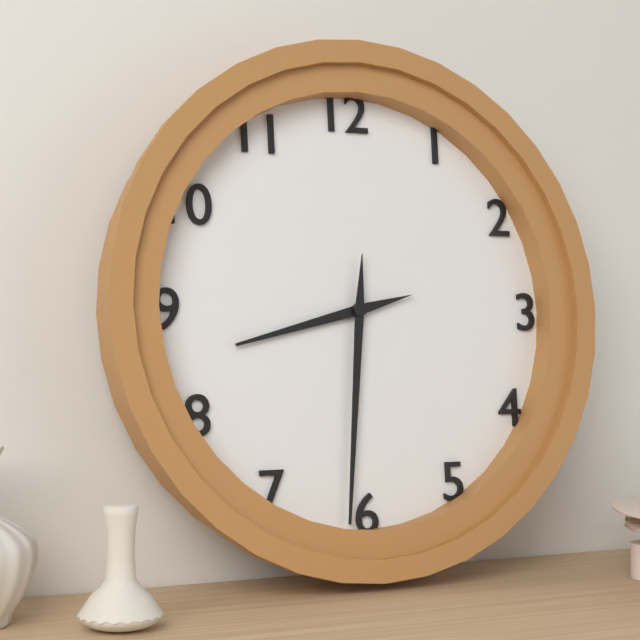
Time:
{"hour": 8, "minute": 31}
